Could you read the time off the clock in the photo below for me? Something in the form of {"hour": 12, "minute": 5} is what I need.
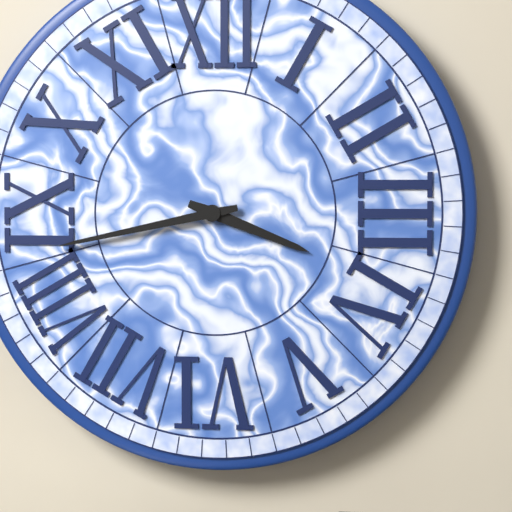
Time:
{"hour": 3, "minute": 43}
